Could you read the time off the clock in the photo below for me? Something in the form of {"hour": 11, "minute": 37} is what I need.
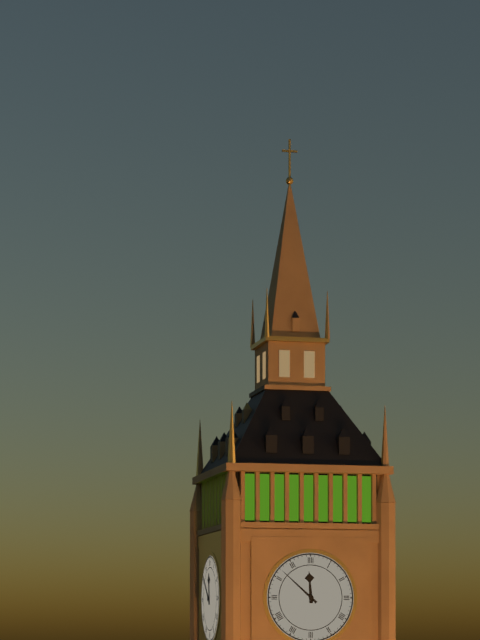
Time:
{"hour": 11, "minute": 52}
